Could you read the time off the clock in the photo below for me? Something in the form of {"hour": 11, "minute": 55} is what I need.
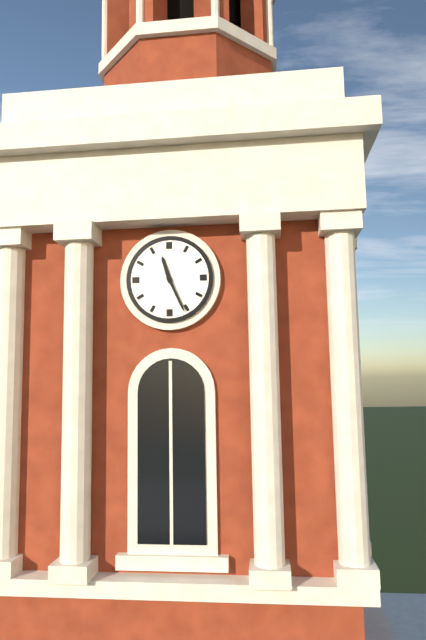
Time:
{"hour": 11, "minute": 26}
